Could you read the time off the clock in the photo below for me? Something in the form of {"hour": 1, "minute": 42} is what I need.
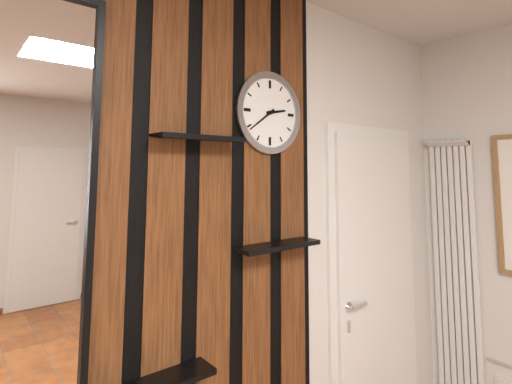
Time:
{"hour": 2, "minute": 39}
